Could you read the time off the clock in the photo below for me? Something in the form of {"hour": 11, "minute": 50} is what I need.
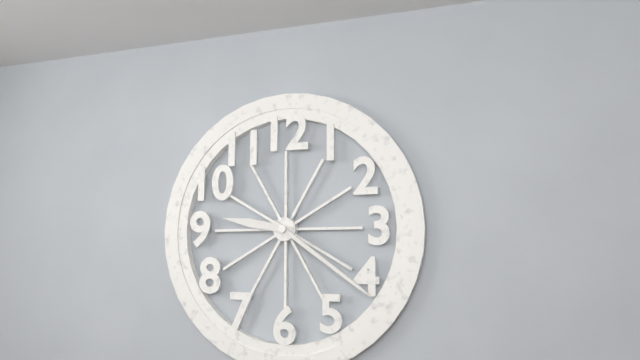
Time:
{"hour": 9, "minute": 21}
